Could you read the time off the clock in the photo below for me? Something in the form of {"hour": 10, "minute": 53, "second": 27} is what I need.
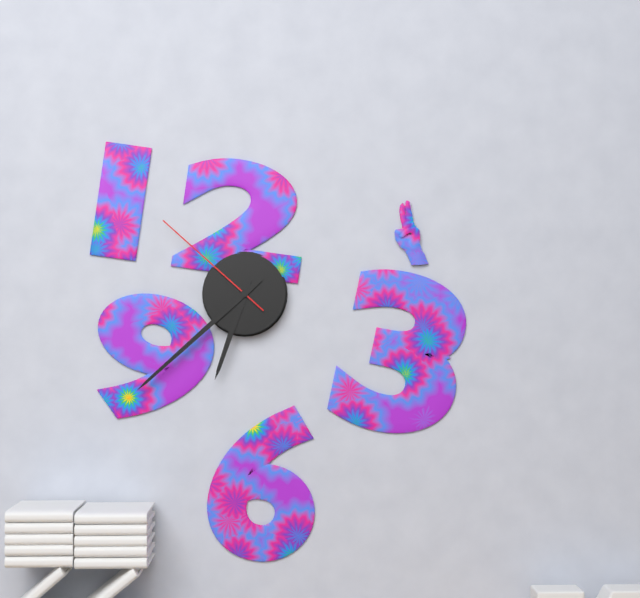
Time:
{"hour": 6, "minute": 38, "second": 52}
